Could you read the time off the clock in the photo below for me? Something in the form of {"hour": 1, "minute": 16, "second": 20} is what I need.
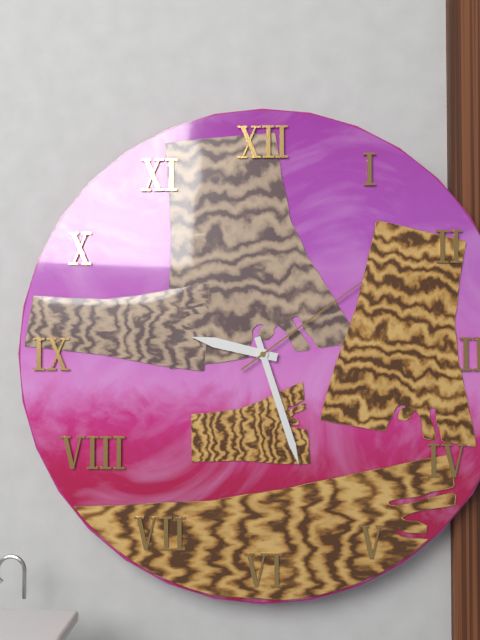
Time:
{"hour": 9, "minute": 27, "second": 9}
